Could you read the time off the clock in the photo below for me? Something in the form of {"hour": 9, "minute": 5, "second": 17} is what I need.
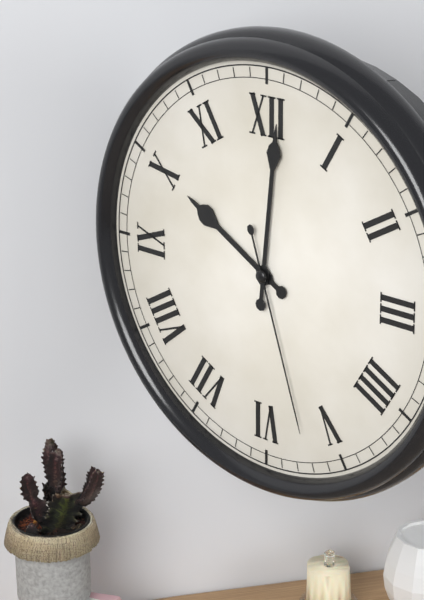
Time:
{"hour": 10, "minute": 1, "second": 27}
